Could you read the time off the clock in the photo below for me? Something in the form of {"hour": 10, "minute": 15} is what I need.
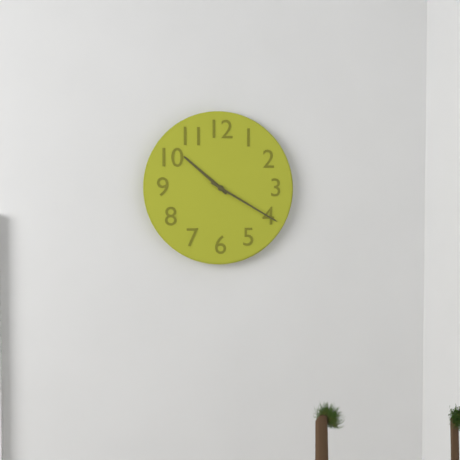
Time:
{"hour": 10, "minute": 20}
